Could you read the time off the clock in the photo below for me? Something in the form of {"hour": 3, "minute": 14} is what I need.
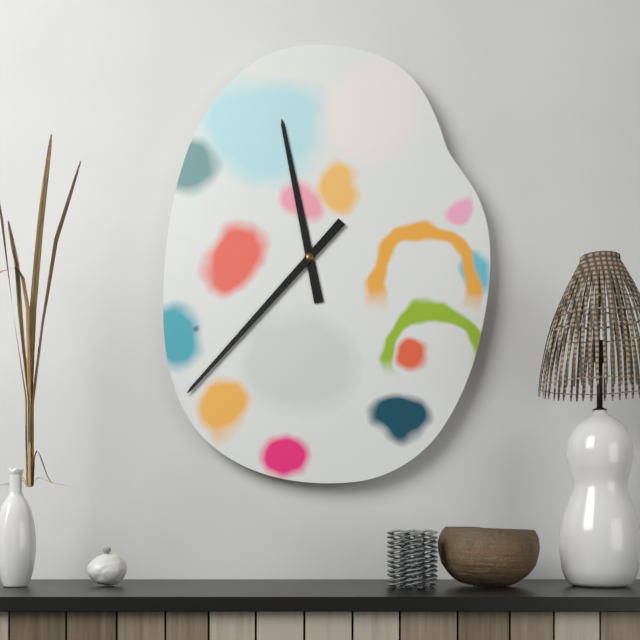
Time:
{"hour": 11, "minute": 37}
